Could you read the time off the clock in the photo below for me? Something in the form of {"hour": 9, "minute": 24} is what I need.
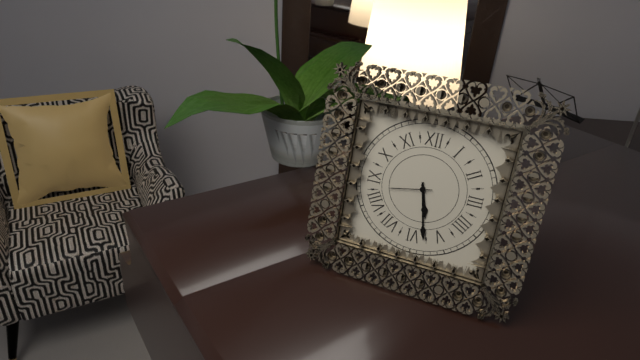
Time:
{"hour": 5, "minute": 28}
